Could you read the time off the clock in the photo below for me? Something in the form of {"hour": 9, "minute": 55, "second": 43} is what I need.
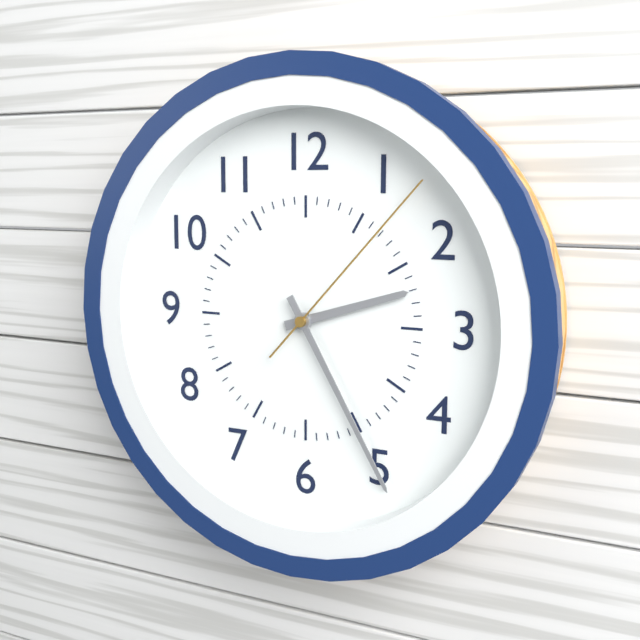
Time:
{"hour": 2, "minute": 25, "second": 7}
